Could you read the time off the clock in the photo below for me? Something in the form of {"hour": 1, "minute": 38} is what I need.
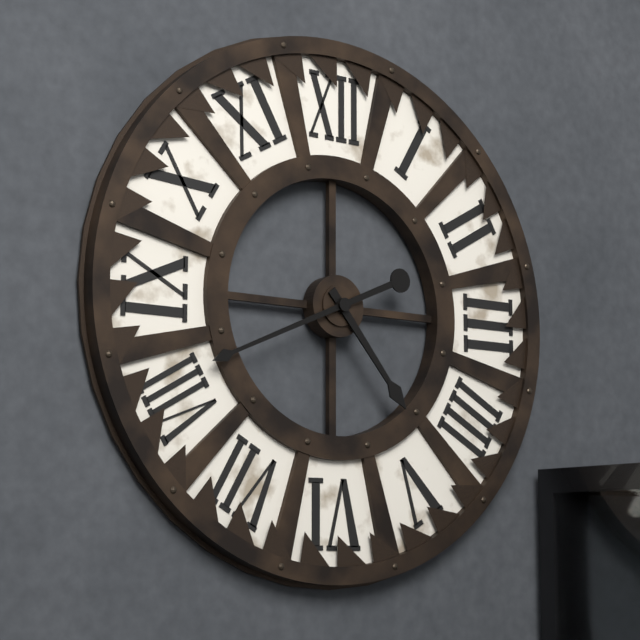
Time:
{"hour": 4, "minute": 41}
